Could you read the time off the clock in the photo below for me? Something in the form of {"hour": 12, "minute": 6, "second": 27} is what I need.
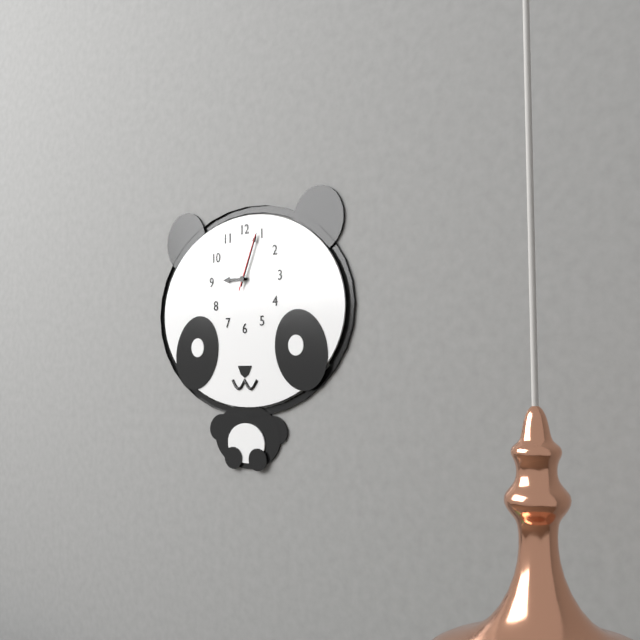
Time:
{"hour": 9, "minute": 4, "second": 4}
